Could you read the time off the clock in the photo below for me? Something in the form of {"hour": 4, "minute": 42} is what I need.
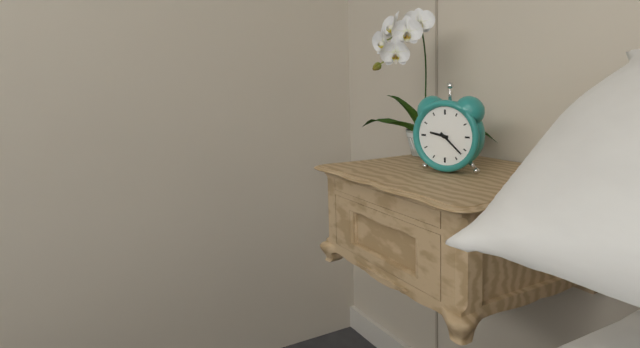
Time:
{"hour": 9, "minute": 22}
